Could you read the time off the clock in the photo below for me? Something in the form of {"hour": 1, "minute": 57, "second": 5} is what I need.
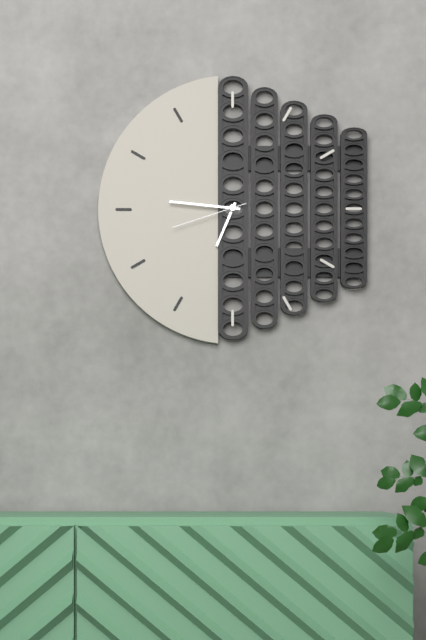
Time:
{"hour": 6, "minute": 46, "second": 42}
